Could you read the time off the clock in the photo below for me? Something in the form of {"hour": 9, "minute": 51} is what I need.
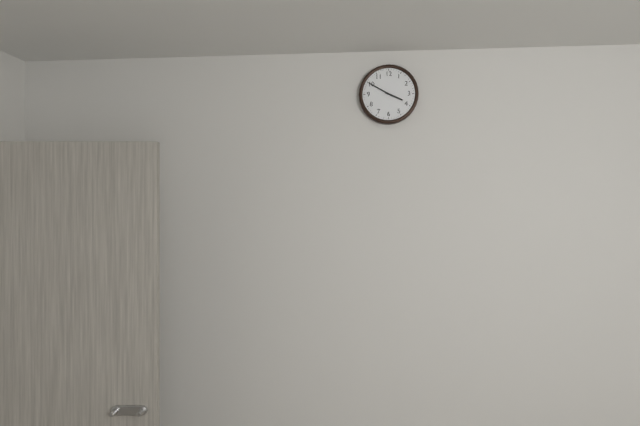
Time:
{"hour": 3, "minute": 50}
